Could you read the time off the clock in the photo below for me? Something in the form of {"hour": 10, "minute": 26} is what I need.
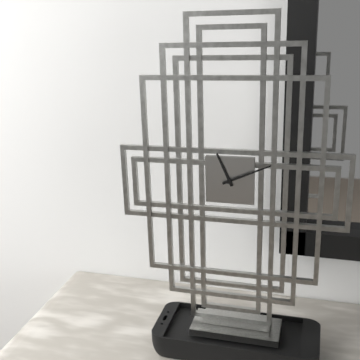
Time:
{"hour": 11, "minute": 11}
